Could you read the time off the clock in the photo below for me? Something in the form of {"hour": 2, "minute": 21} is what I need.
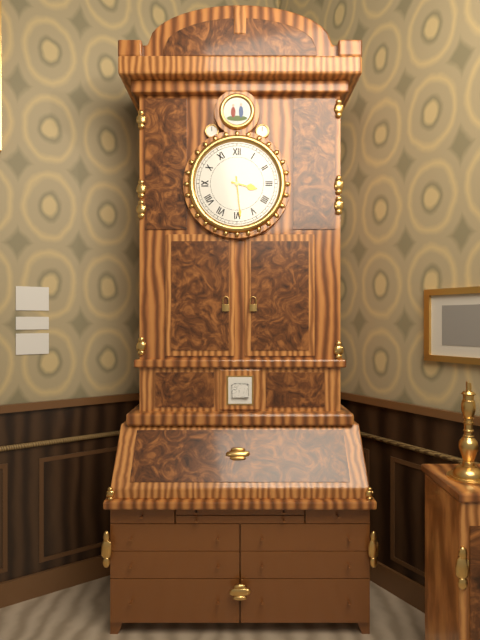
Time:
{"hour": 3, "minute": 29}
